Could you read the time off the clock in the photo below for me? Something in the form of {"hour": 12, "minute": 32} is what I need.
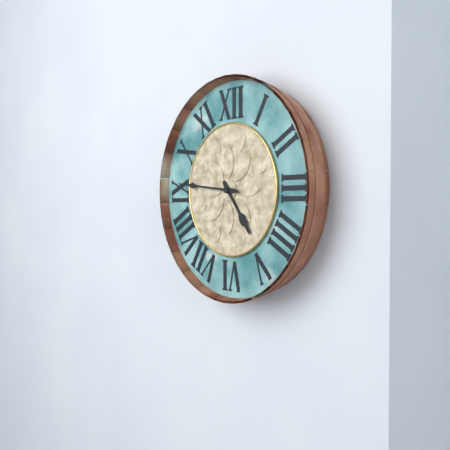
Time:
{"hour": 4, "minute": 46}
